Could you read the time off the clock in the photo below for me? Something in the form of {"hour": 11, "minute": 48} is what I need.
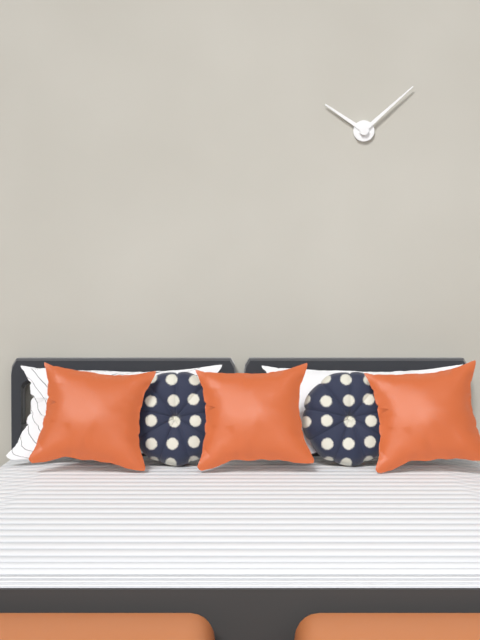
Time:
{"hour": 10, "minute": 8}
